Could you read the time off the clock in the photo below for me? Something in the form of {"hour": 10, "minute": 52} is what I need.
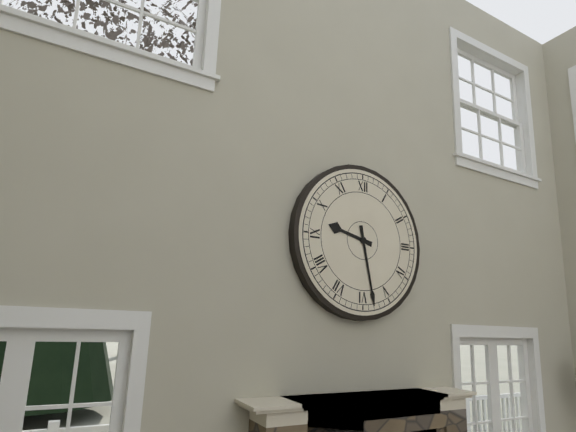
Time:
{"hour": 9, "minute": 28}
